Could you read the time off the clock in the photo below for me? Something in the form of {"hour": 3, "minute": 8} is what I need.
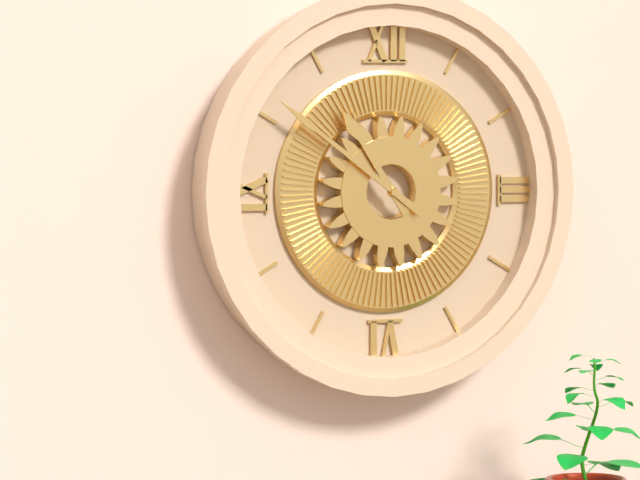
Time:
{"hour": 10, "minute": 51}
